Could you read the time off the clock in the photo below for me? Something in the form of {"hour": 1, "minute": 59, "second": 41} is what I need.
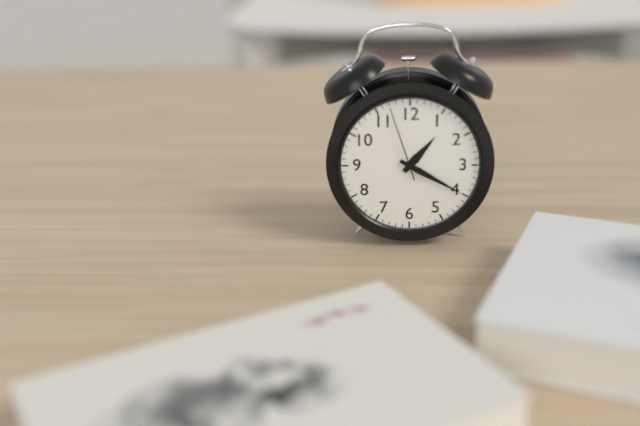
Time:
{"hour": 1, "minute": 20, "second": 57}
